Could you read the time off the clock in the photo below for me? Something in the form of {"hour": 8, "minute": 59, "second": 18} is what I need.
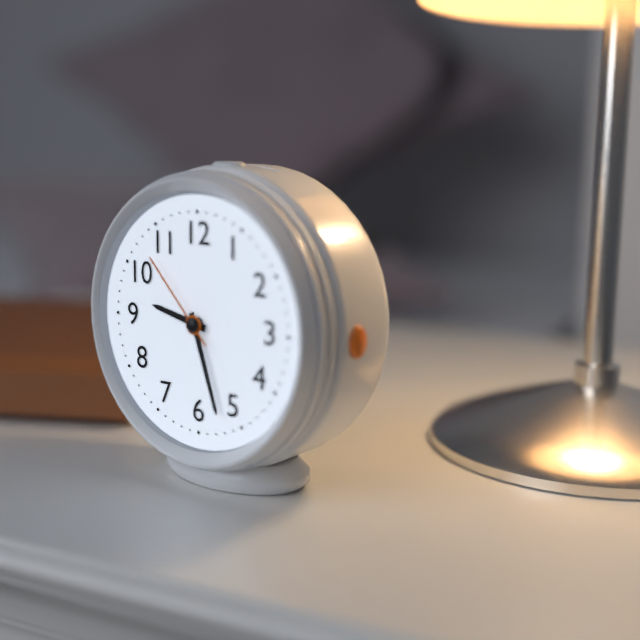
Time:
{"hour": 9, "minute": 27, "second": 53}
